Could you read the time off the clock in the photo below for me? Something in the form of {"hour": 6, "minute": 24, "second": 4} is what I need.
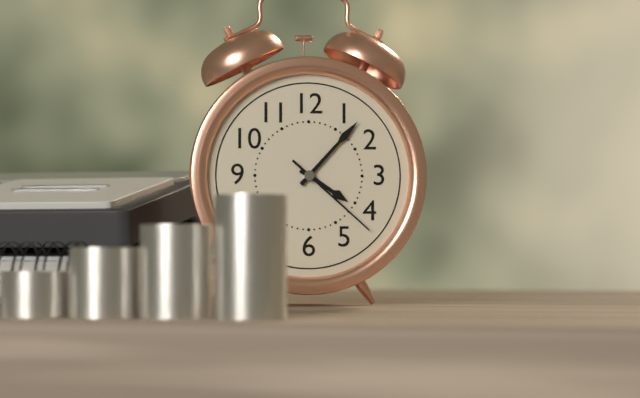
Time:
{"hour": 4, "minute": 7, "second": 22}
